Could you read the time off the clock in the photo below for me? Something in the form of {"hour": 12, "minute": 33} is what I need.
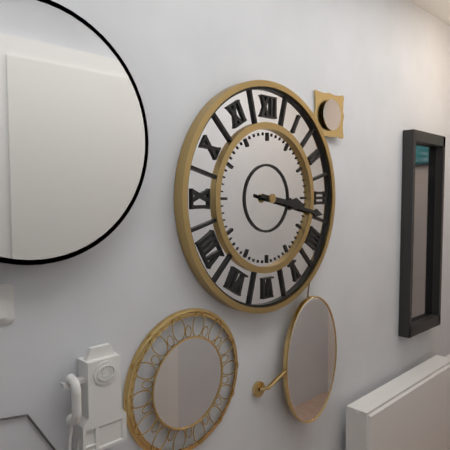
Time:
{"hour": 3, "minute": 17}
